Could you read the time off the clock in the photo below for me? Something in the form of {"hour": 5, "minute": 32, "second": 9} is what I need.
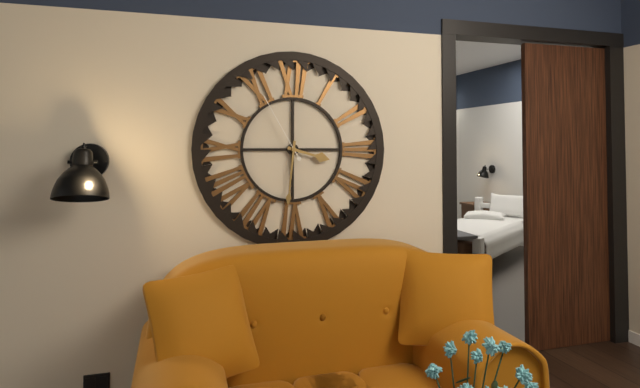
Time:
{"hour": 3, "minute": 31, "second": 55}
